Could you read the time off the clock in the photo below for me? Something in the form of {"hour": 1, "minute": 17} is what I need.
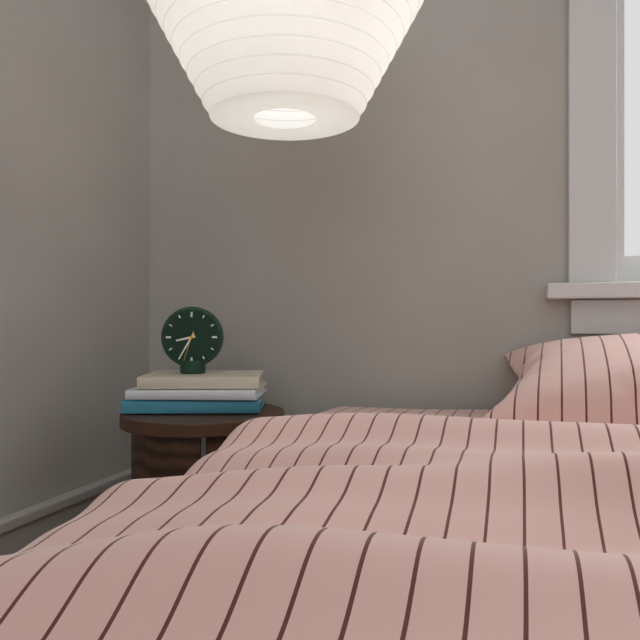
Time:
{"hour": 8, "minute": 35}
